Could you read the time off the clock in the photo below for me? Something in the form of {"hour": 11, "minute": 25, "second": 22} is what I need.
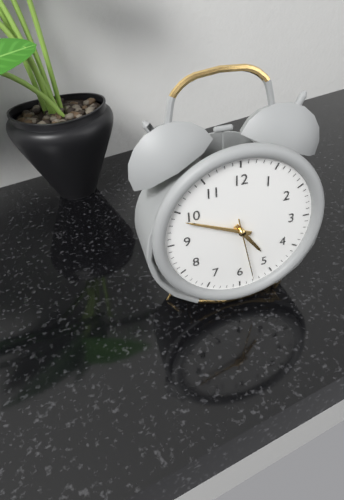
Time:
{"hour": 4, "minute": 49, "second": 28}
